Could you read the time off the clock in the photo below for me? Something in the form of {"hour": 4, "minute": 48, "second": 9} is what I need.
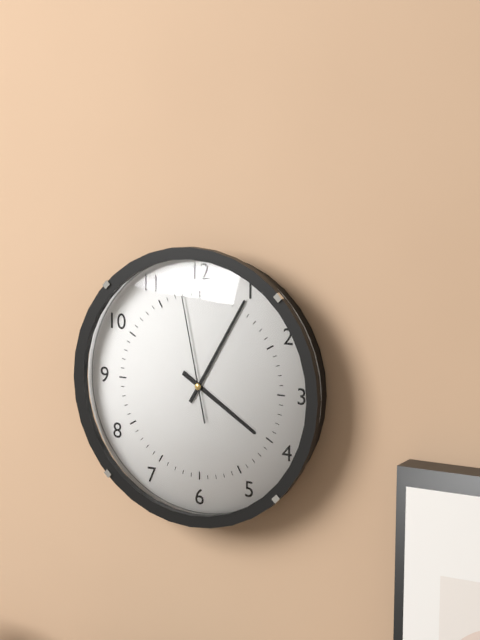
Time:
{"hour": 4, "minute": 5, "second": 58}
